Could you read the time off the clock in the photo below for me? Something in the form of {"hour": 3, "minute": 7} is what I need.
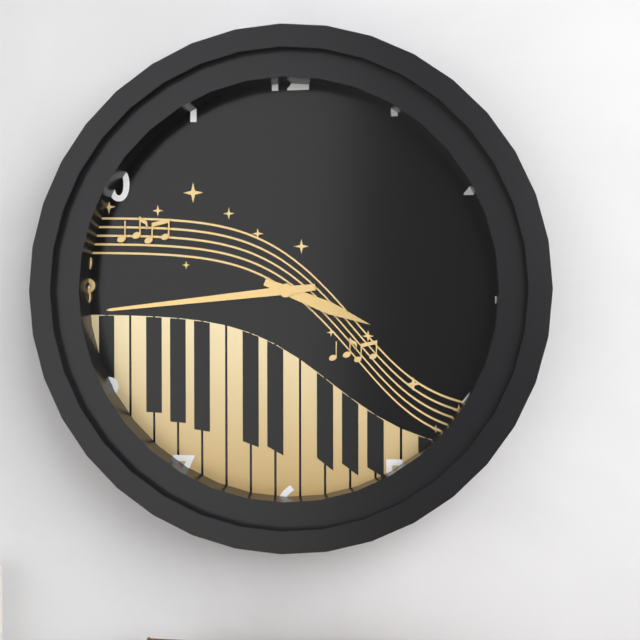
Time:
{"hour": 3, "minute": 44}
